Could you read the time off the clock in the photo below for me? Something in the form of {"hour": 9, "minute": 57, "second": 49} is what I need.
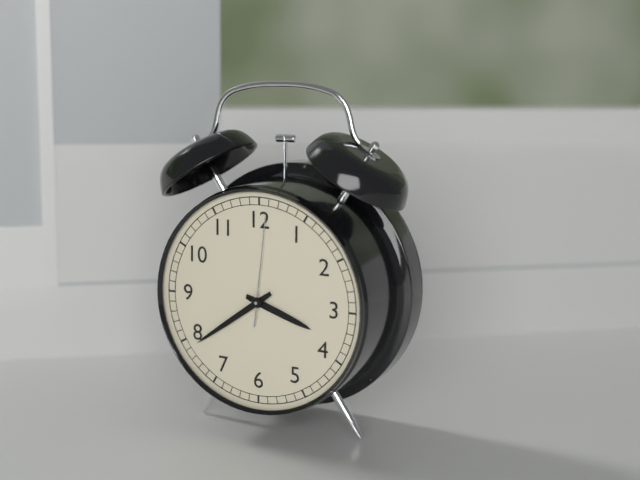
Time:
{"hour": 3, "minute": 39, "second": 1}
